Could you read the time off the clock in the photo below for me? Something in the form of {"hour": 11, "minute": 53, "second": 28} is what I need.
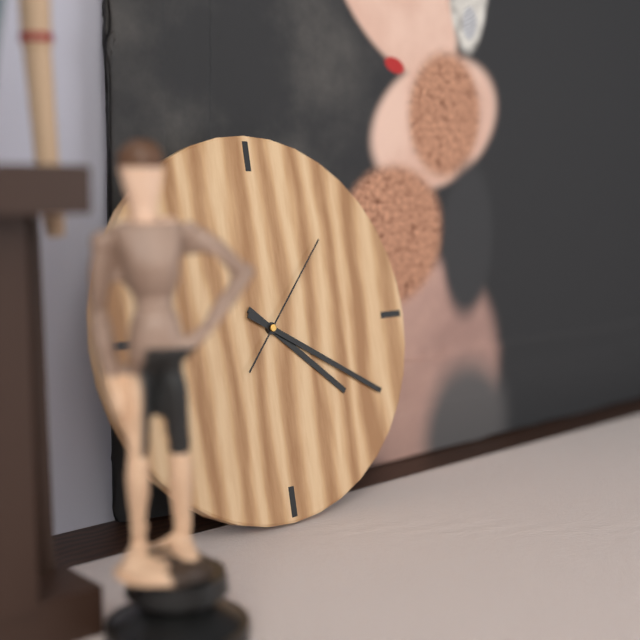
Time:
{"hour": 4, "minute": 20, "second": 7}
